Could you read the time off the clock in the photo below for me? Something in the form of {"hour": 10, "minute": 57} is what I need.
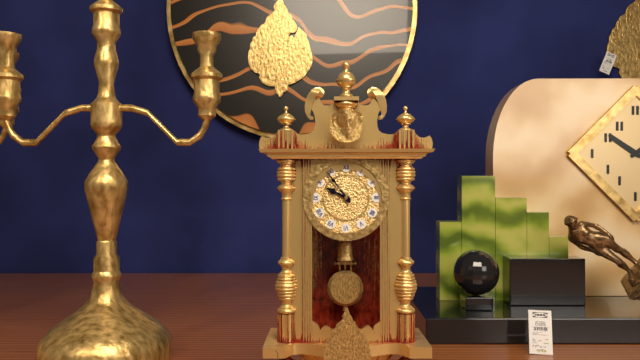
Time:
{"hour": 9, "minute": 54}
